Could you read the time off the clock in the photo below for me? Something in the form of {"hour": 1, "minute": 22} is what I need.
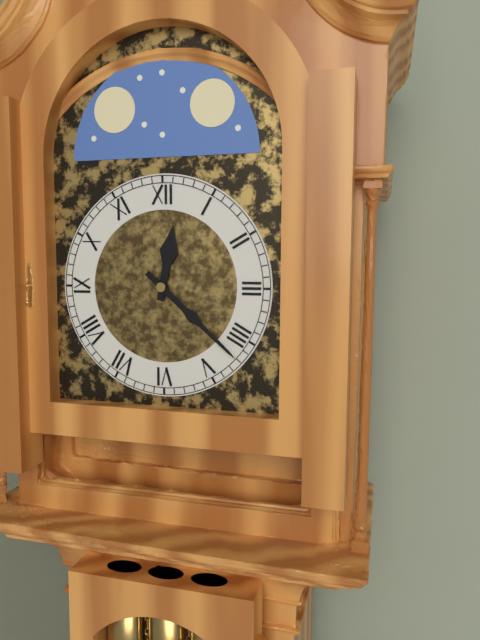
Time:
{"hour": 12, "minute": 22}
